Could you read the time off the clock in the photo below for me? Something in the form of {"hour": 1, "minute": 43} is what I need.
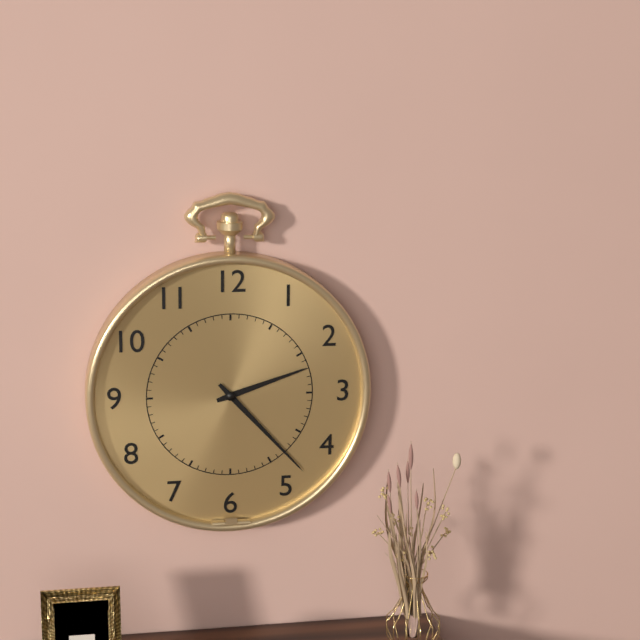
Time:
{"hour": 2, "minute": 23}
